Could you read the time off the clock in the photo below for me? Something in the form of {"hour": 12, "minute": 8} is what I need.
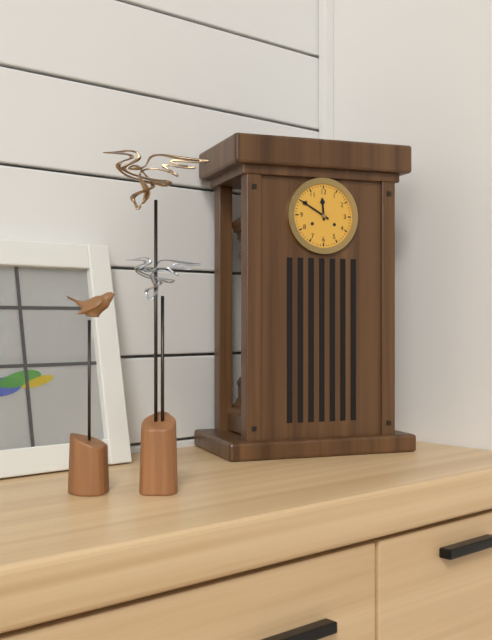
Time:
{"hour": 11, "minute": 50}
